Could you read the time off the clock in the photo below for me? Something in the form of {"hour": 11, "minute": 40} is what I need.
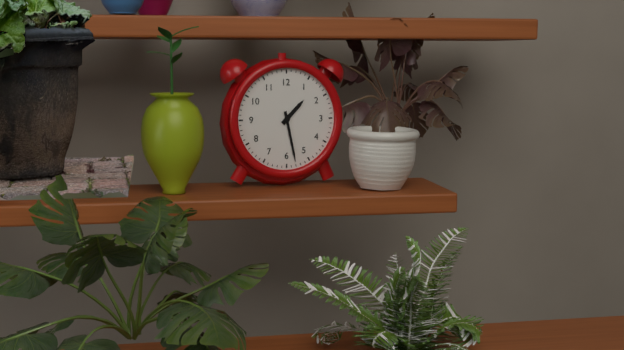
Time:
{"hour": 1, "minute": 28}
